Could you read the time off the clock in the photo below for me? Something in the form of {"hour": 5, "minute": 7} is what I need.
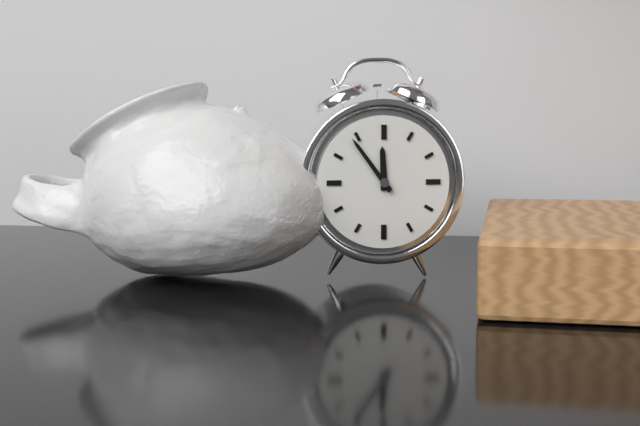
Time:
{"hour": 11, "minute": 54}
